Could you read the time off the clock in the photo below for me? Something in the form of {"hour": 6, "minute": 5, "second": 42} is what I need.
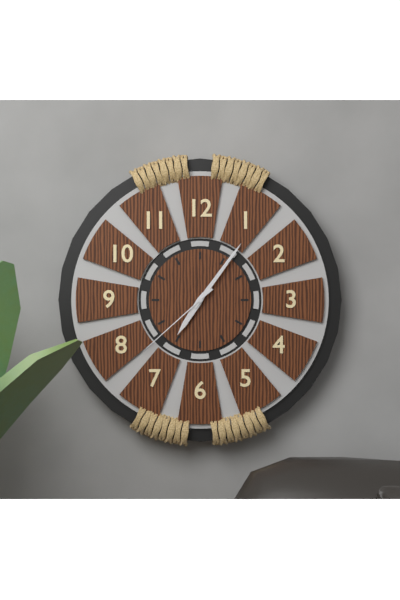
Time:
{"hour": 7, "minute": 6, "second": 38}
